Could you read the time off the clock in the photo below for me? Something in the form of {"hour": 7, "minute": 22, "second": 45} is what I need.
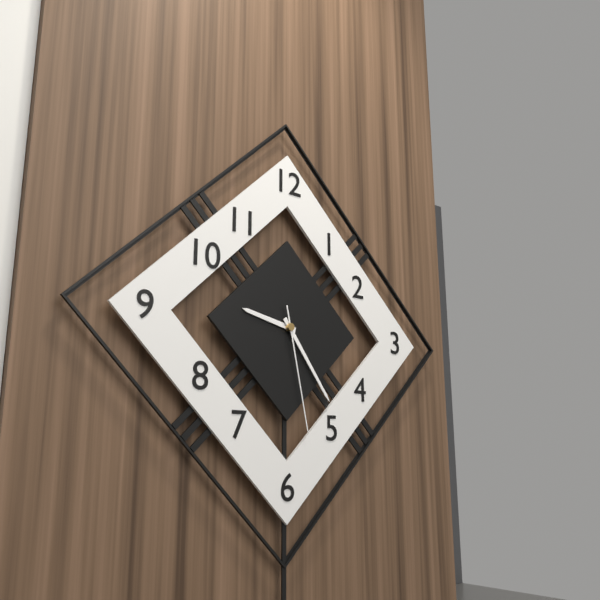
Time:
{"hour": 9, "minute": 24, "second": 28}
